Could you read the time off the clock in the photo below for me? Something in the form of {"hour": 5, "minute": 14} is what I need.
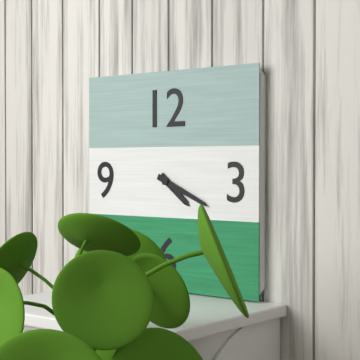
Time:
{"hour": 4, "minute": 19}
